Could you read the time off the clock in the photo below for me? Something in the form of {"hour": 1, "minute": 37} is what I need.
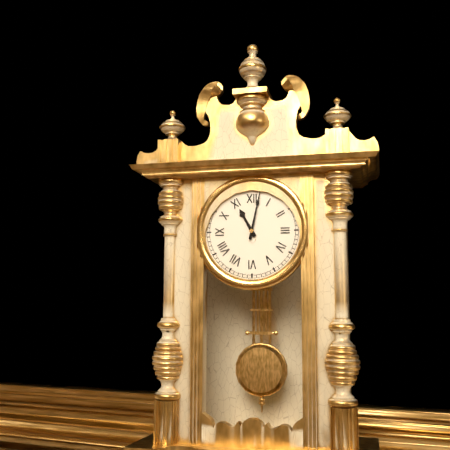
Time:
{"hour": 11, "minute": 2}
